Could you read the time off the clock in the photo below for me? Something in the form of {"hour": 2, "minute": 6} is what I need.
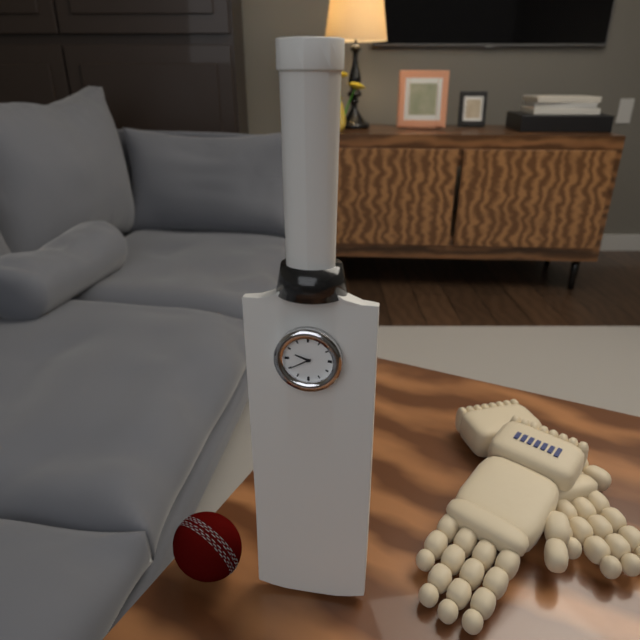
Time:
{"hour": 9, "minute": 40}
